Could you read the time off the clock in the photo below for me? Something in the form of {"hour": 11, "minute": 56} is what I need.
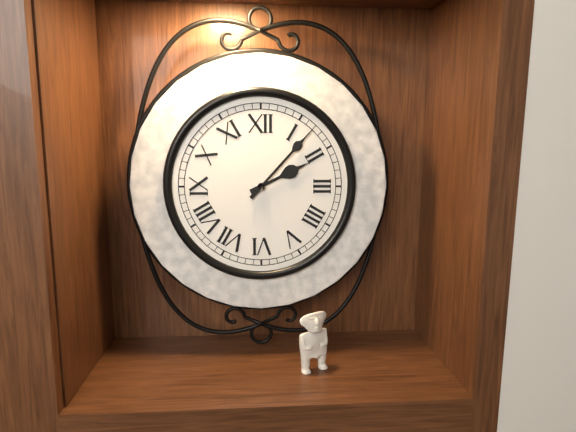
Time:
{"hour": 2, "minute": 7}
